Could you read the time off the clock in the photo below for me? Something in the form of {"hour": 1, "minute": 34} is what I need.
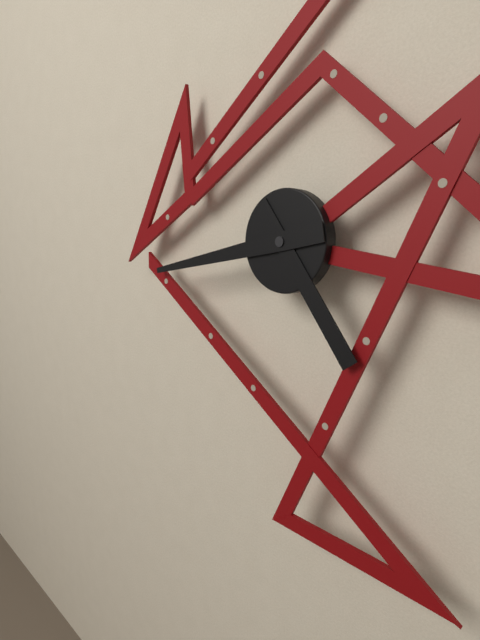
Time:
{"hour": 4, "minute": 43}
